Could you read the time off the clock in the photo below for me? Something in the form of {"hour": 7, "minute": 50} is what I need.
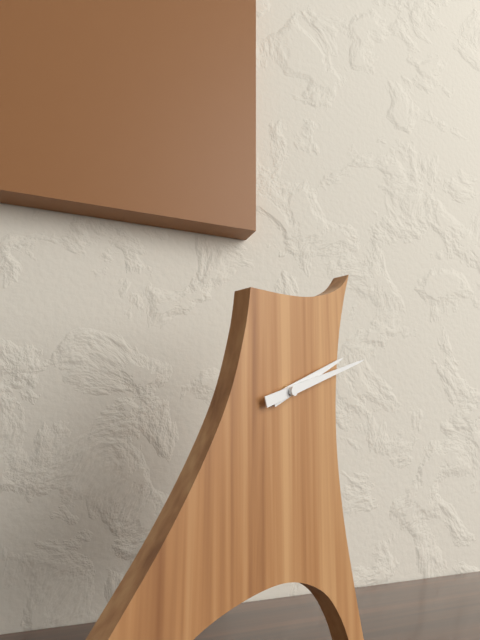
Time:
{"hour": 2, "minute": 12}
